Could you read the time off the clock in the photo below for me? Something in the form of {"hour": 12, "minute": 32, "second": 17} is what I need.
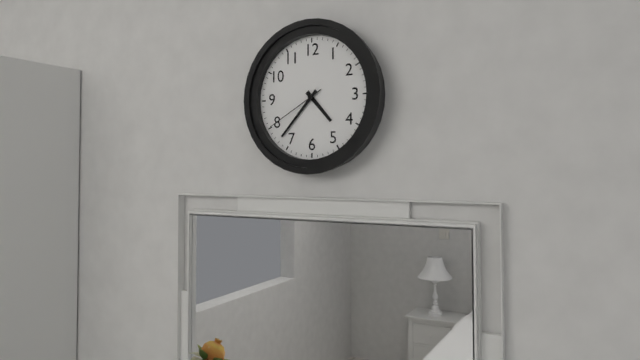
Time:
{"hour": 4, "minute": 37, "second": 40}
